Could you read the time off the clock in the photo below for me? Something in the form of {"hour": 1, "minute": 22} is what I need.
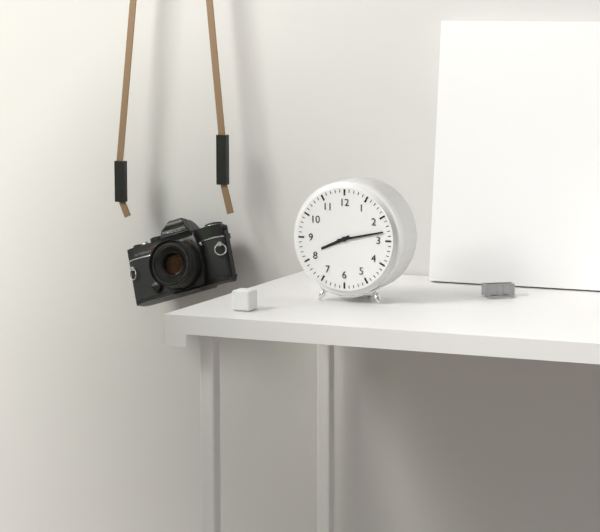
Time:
{"hour": 8, "minute": 13}
